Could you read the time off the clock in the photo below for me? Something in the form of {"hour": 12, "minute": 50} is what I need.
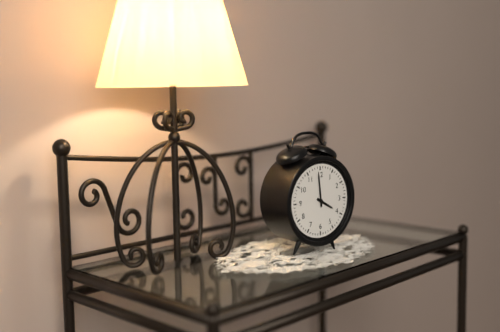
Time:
{"hour": 3, "minute": 59}
